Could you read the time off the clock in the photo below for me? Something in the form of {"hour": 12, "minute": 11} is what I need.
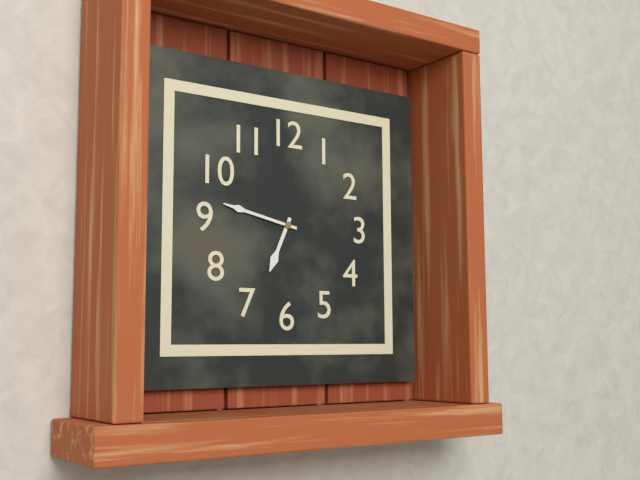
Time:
{"hour": 6, "minute": 47}
